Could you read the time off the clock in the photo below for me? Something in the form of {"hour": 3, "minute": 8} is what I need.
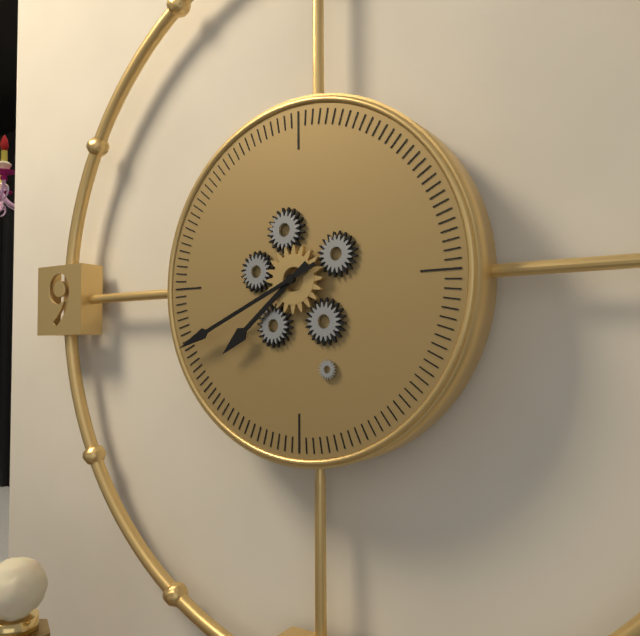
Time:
{"hour": 7, "minute": 41}
